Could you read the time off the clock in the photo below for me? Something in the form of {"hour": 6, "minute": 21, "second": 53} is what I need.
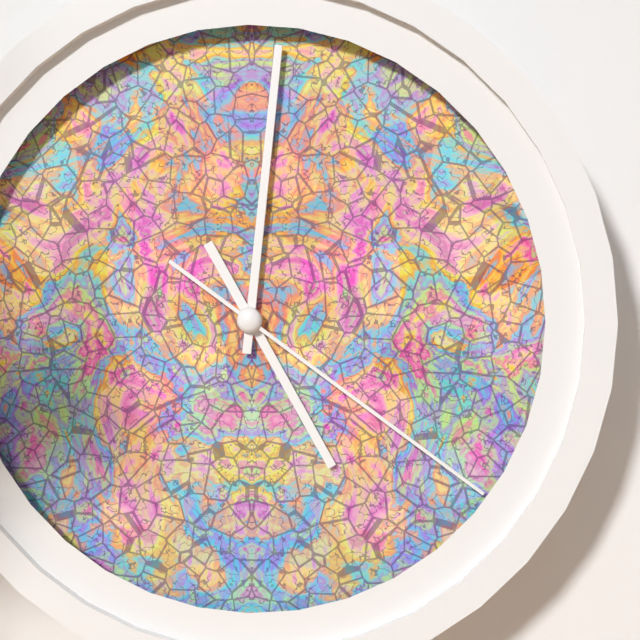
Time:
{"hour": 5, "minute": 1, "second": 21}
